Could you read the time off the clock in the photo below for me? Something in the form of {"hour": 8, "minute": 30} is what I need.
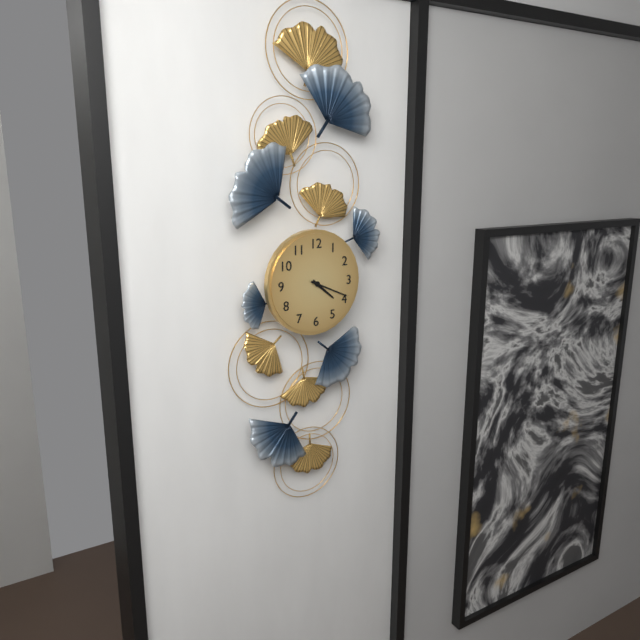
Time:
{"hour": 4, "minute": 19}
